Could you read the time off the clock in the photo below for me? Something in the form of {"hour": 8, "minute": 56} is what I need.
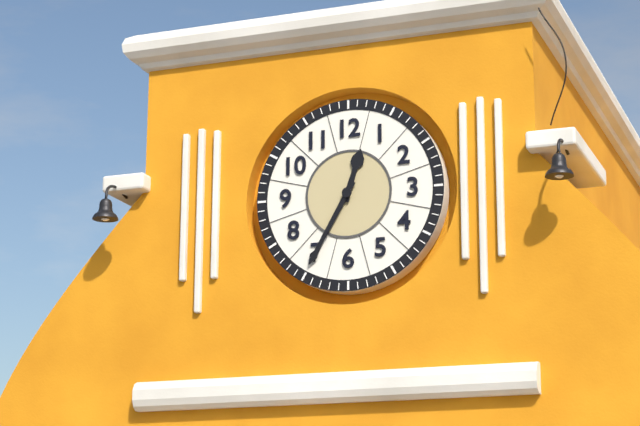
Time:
{"hour": 12, "minute": 35}
